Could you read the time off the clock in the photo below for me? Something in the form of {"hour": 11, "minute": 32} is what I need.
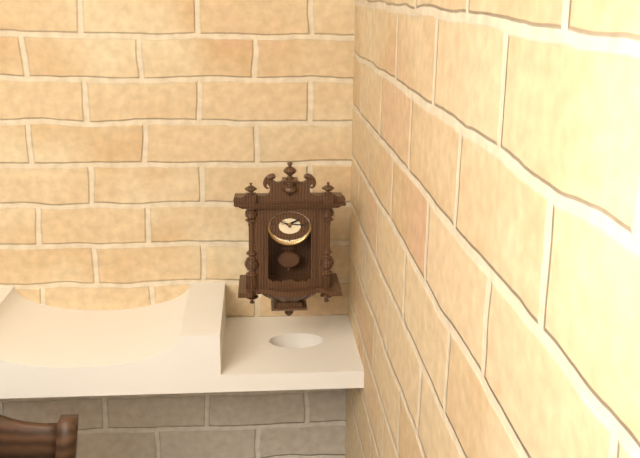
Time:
{"hour": 2, "minute": 16}
